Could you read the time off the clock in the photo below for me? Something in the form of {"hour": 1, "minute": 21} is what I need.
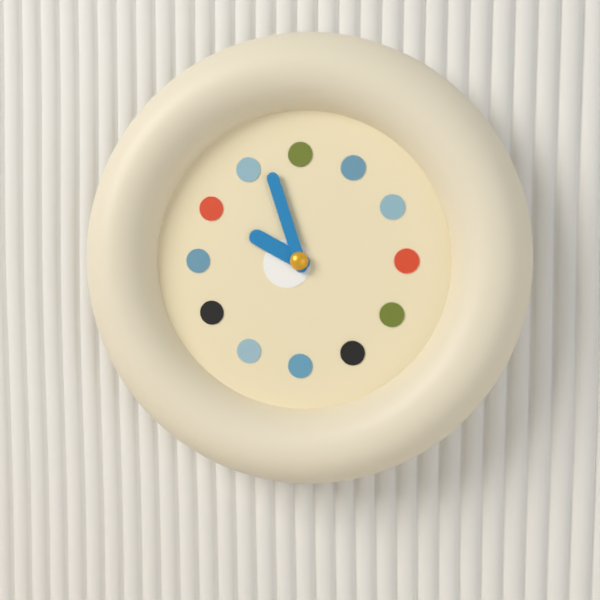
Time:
{"hour": 9, "minute": 57}
